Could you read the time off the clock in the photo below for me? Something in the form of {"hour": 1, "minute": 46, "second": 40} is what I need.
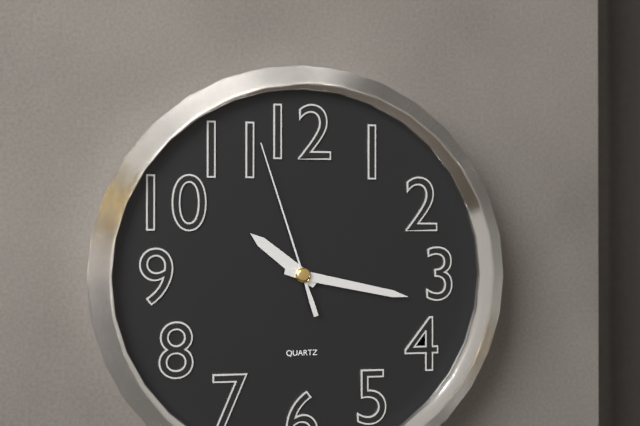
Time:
{"hour": 10, "minute": 17, "second": 57}
